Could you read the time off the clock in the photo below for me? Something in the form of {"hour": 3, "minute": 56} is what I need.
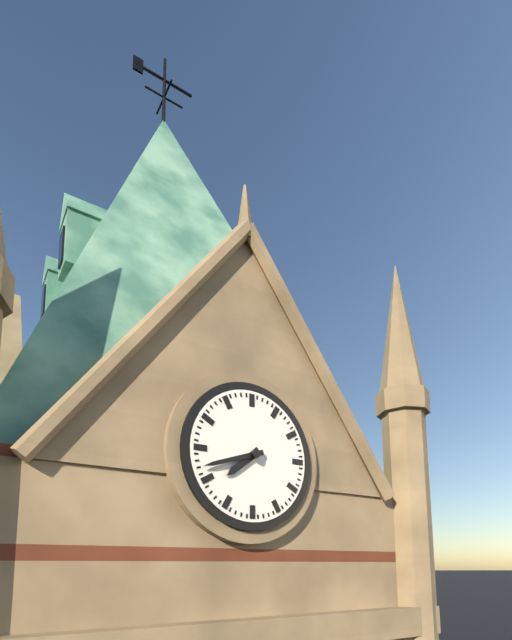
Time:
{"hour": 7, "minute": 42}
